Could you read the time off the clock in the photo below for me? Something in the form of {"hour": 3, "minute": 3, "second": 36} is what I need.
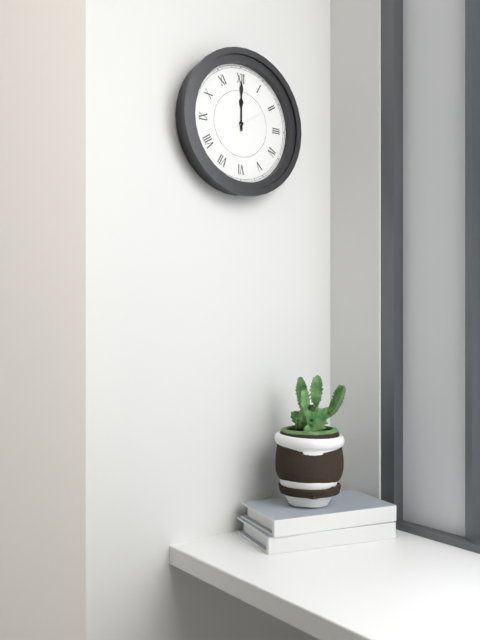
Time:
{"hour": 12, "minute": 0, "second": 10}
